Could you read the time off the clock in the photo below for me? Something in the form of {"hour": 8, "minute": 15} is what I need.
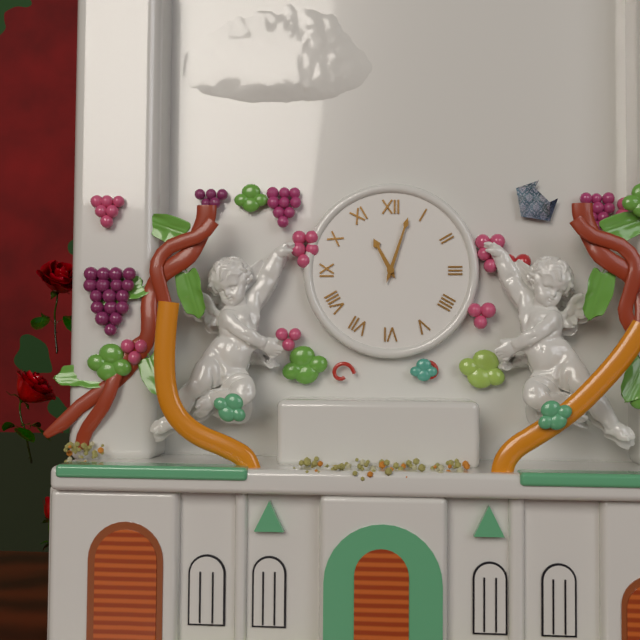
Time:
{"hour": 11, "minute": 3}
